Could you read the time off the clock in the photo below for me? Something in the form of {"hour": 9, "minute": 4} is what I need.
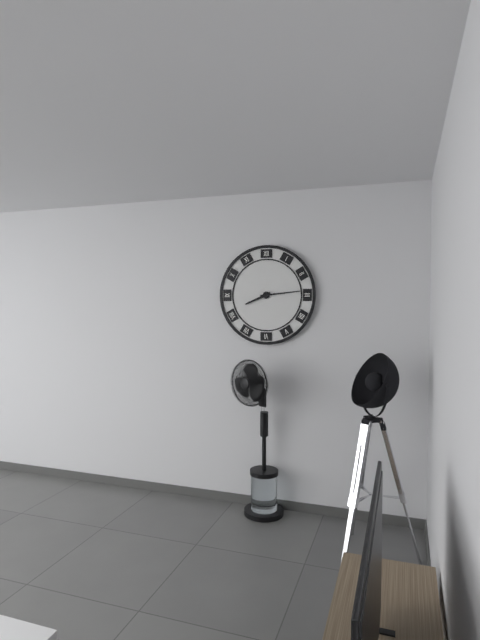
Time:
{"hour": 8, "minute": 14}
